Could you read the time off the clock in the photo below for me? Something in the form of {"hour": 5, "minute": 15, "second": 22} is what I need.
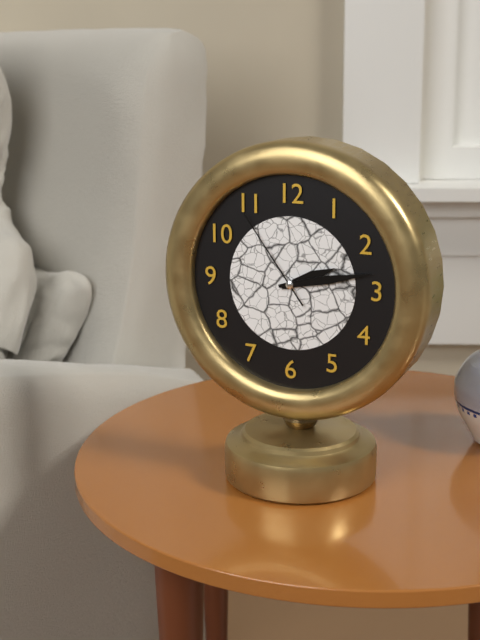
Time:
{"hour": 2, "minute": 13, "second": 54}
